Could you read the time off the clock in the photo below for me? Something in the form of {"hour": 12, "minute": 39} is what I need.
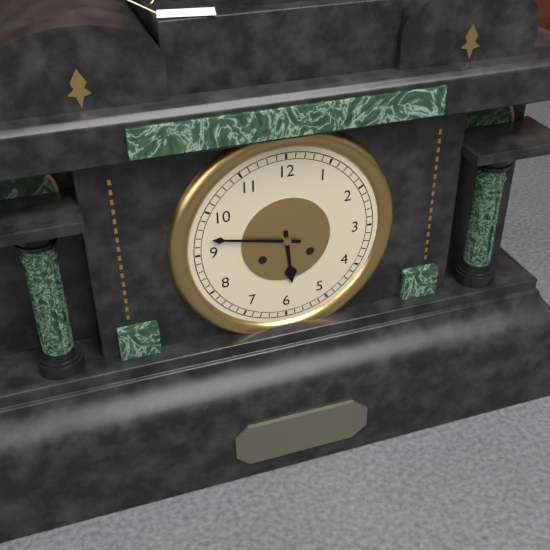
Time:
{"hour": 5, "minute": 47}
